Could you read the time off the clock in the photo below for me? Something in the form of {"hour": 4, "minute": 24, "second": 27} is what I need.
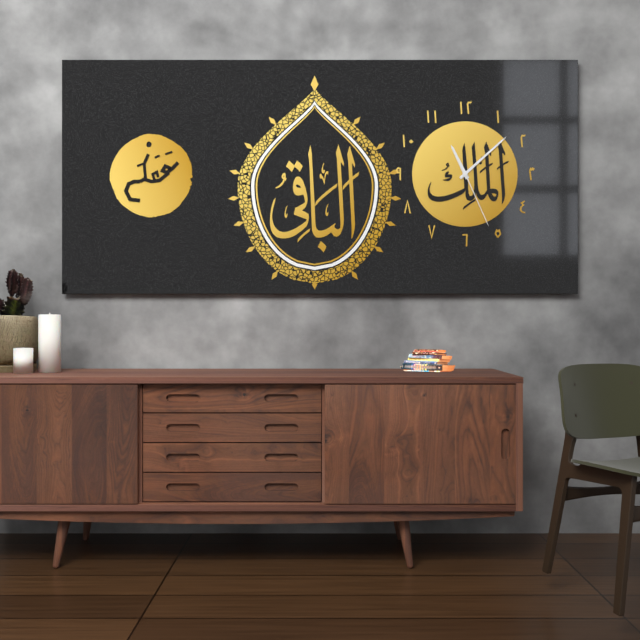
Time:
{"hour": 11, "minute": 8, "second": 26}
